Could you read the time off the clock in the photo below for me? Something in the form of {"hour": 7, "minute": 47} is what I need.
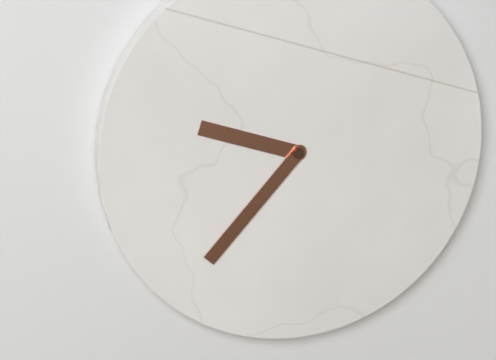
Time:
{"hour": 9, "minute": 37}
